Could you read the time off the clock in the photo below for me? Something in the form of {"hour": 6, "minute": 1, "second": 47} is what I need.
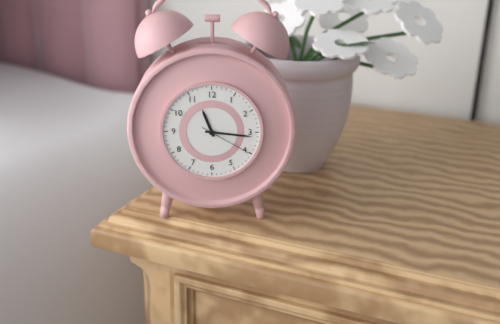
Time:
{"hour": 11, "minute": 16, "second": 20}
